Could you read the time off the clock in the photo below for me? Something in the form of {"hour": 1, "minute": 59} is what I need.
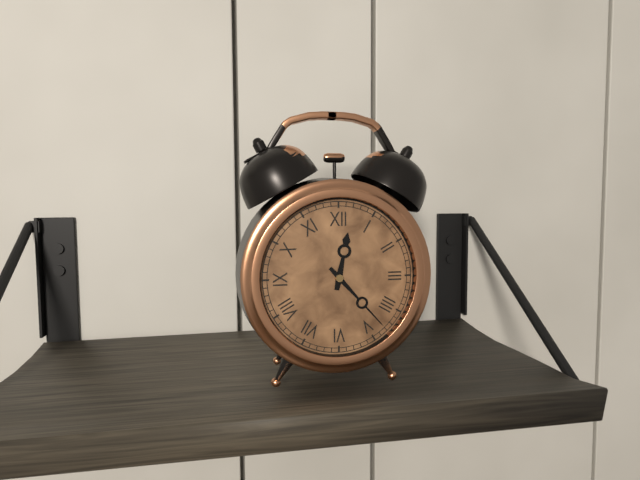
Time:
{"hour": 12, "minute": 23}
